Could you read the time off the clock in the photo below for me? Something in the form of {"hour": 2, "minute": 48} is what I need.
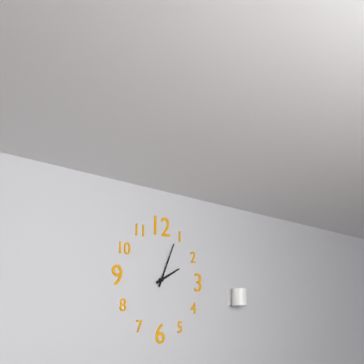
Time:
{"hour": 2, "minute": 4}
